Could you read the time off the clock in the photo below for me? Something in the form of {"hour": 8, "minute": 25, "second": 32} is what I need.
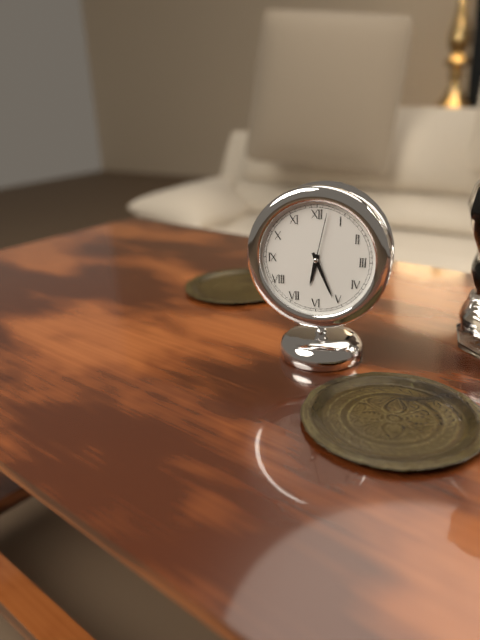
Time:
{"hour": 6, "minute": 26, "second": 2}
